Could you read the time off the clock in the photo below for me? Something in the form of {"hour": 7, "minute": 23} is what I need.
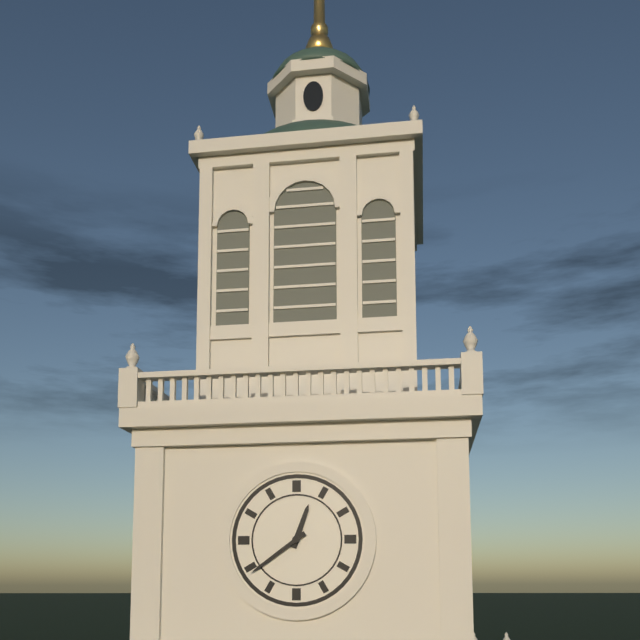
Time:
{"hour": 12, "minute": 39}
